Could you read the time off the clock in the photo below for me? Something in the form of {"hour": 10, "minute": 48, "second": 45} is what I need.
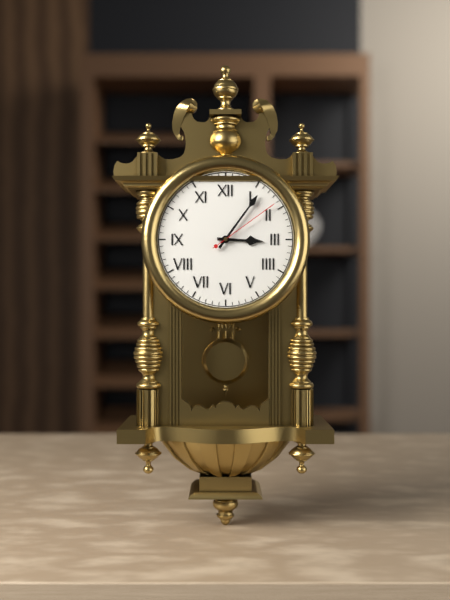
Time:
{"hour": 3, "minute": 6, "second": 9}
